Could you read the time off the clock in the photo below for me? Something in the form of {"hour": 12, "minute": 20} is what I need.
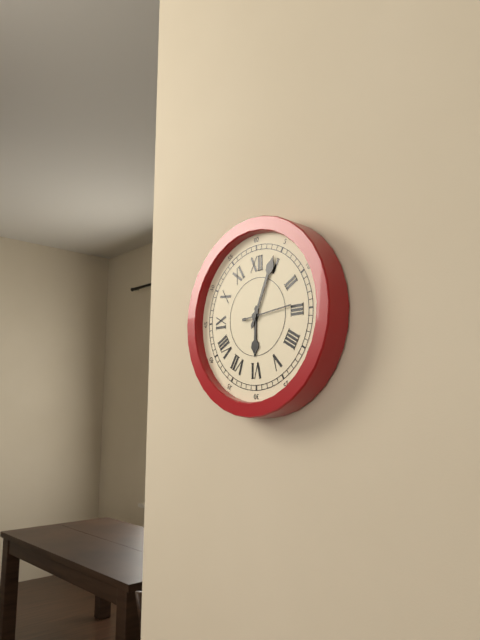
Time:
{"hour": 6, "minute": 4}
